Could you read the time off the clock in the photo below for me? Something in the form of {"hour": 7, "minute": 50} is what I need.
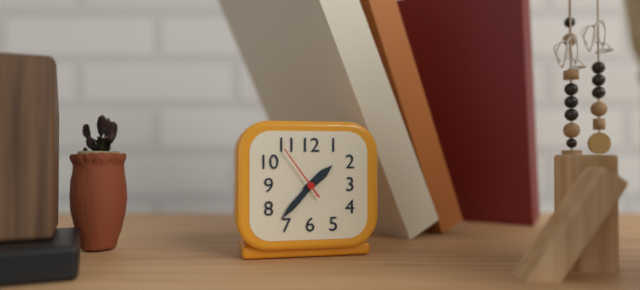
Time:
{"hour": 1, "minute": 37}
